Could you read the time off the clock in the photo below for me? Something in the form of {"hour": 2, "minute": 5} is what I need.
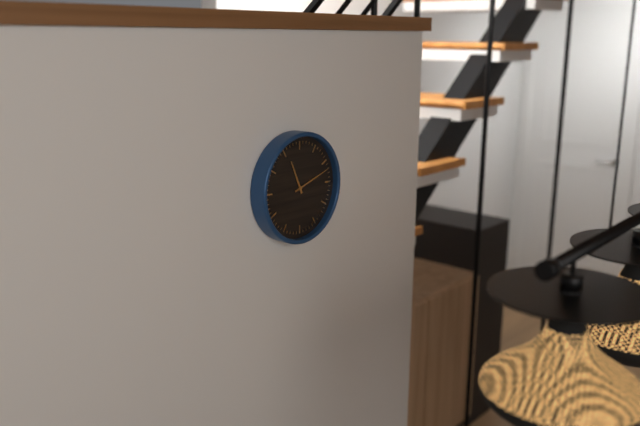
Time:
{"hour": 11, "minute": 12}
